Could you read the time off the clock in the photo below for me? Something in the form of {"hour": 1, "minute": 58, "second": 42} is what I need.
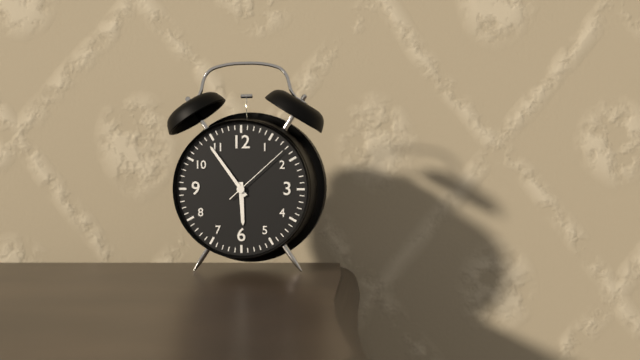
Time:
{"hour": 5, "minute": 54, "second": 8}
